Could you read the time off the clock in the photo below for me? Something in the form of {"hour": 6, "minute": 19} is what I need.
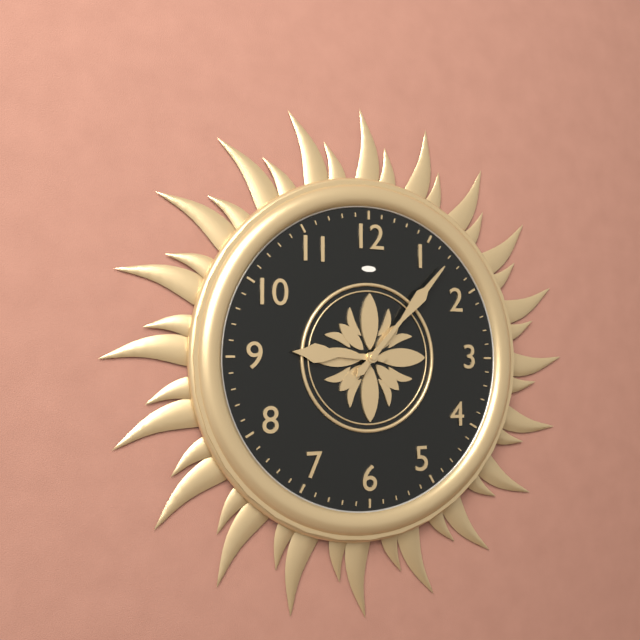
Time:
{"hour": 9, "minute": 7}
